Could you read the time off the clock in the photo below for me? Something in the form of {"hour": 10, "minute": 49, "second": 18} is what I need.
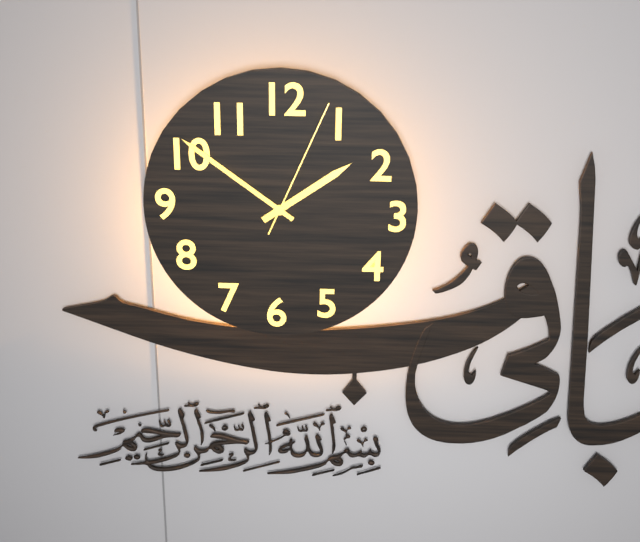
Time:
{"hour": 1, "minute": 51, "second": 4}
